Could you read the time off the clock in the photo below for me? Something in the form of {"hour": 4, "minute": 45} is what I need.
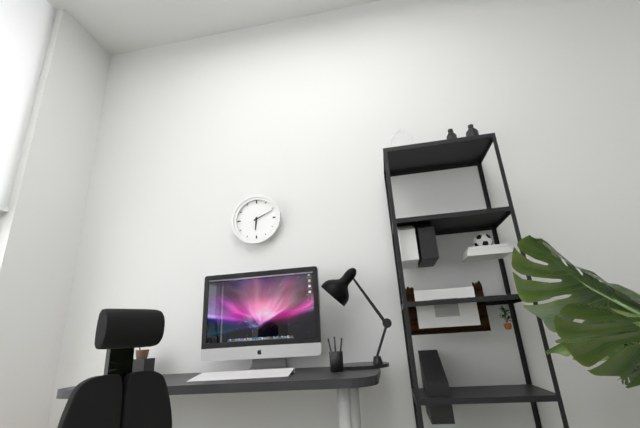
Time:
{"hour": 6, "minute": 11}
